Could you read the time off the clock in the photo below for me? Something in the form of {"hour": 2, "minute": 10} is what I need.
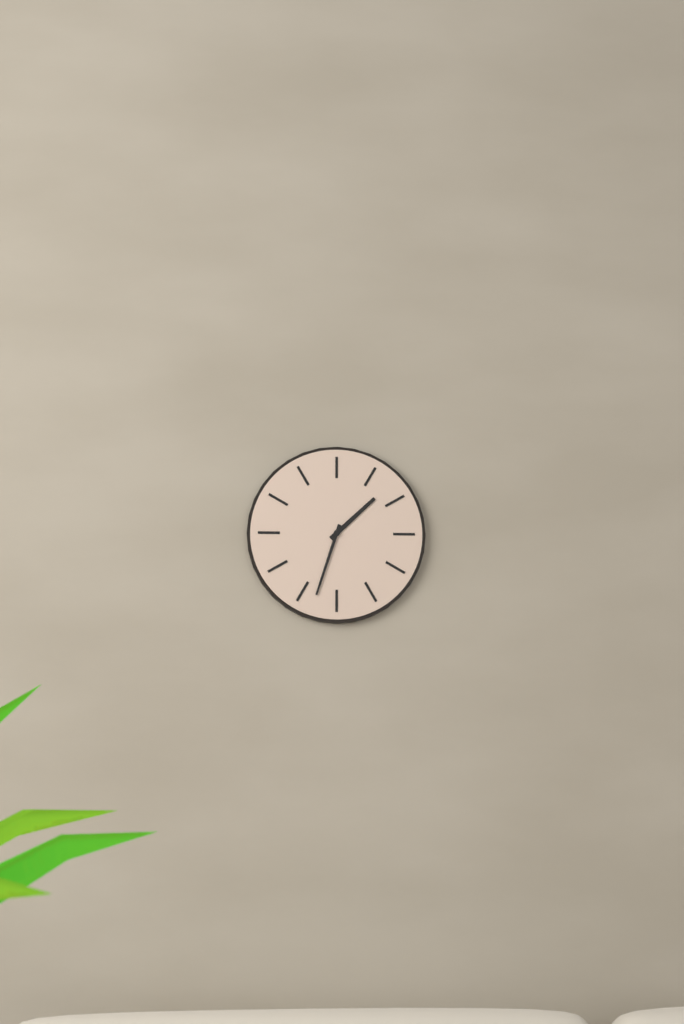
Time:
{"hour": 1, "minute": 33}
